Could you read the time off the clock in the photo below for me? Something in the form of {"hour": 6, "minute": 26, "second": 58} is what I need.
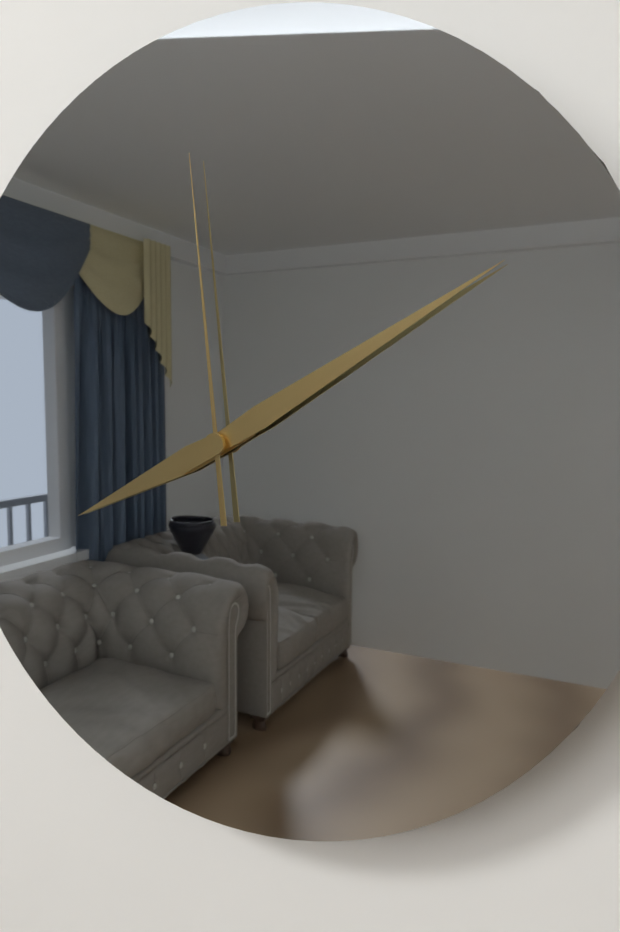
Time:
{"hour": 8, "minute": 10, "second": 59}
